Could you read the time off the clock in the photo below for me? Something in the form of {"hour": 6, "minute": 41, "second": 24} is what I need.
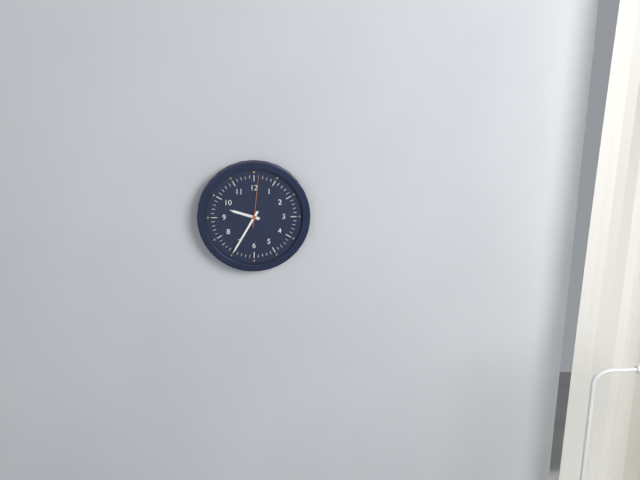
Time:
{"hour": 9, "minute": 35, "second": 1}
